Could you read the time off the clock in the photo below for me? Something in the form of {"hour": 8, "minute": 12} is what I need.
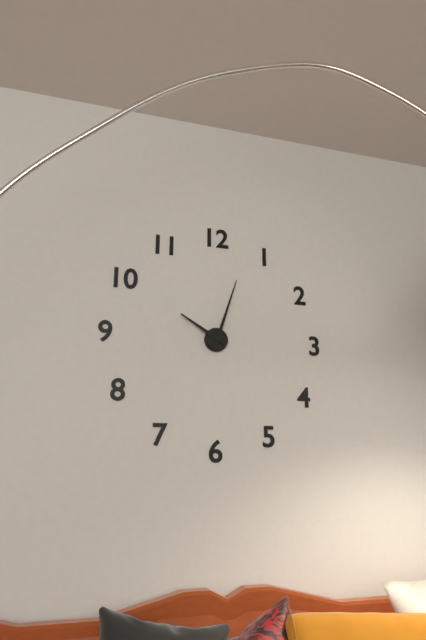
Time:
{"hour": 10, "minute": 3}
